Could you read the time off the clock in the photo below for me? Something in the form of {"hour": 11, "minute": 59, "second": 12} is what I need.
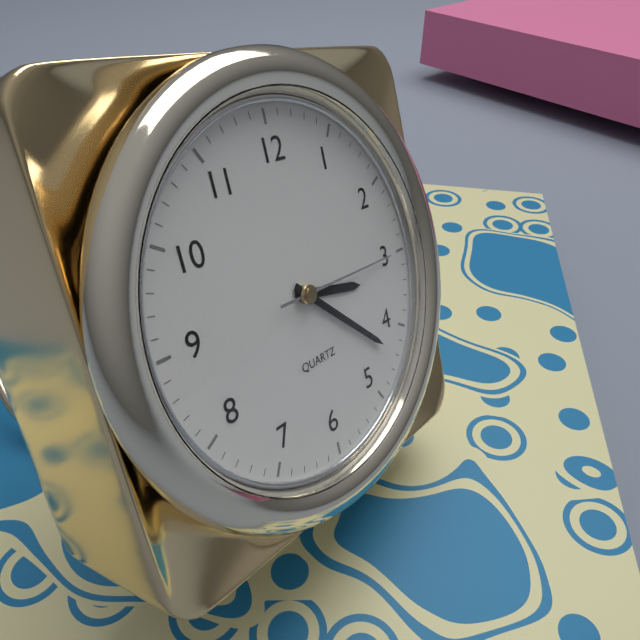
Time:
{"hour": 3, "minute": 22, "second": 15}
